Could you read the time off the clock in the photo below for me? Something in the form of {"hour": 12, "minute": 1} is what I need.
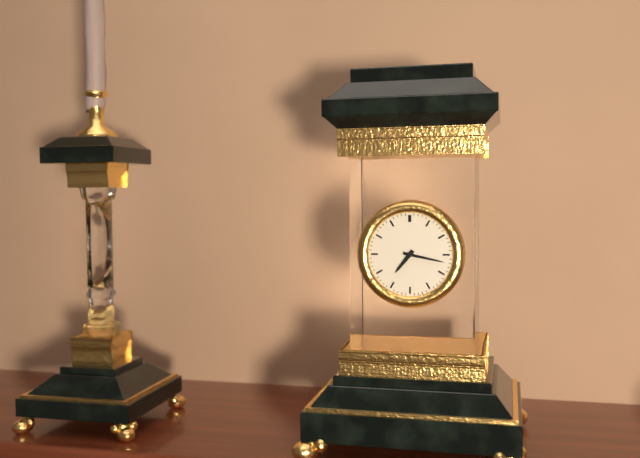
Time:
{"hour": 7, "minute": 17}
